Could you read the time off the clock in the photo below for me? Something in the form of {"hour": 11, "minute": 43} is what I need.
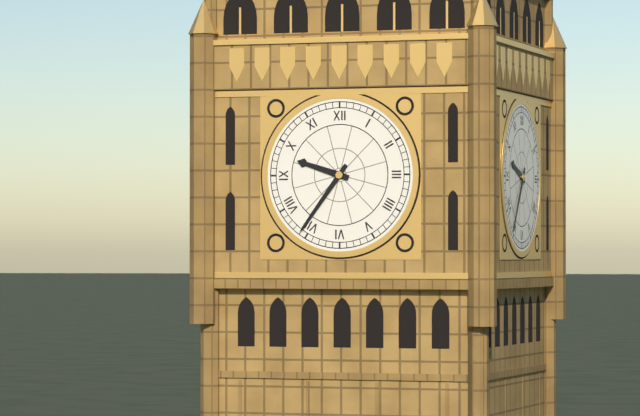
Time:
{"hour": 9, "minute": 36}
